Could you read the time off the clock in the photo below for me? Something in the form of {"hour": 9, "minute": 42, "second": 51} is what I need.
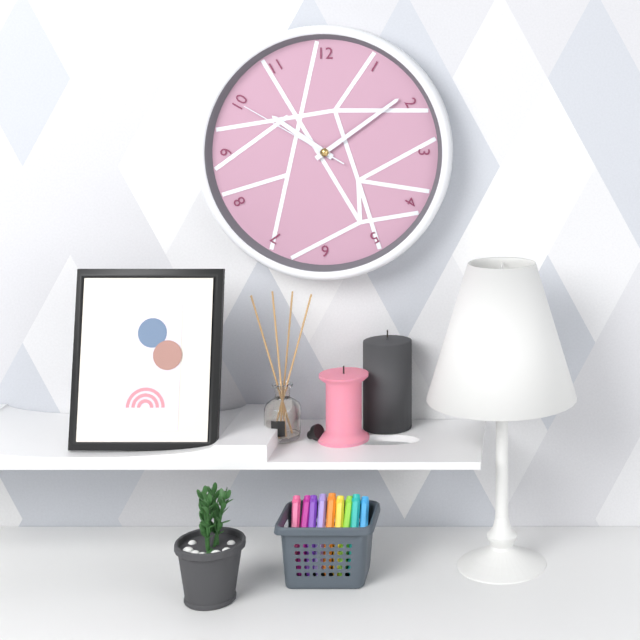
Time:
{"hour": 10, "minute": 9, "second": 50}
